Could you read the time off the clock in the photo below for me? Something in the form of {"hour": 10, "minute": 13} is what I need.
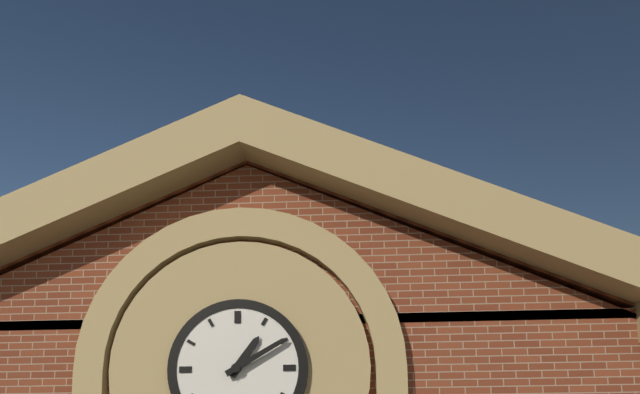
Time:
{"hour": 1, "minute": 10}
